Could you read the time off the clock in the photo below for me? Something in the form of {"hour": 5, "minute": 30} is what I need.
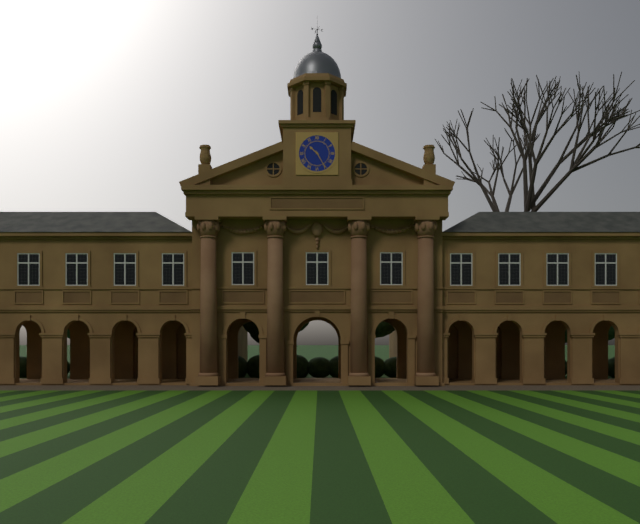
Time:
{"hour": 10, "minute": 25}
